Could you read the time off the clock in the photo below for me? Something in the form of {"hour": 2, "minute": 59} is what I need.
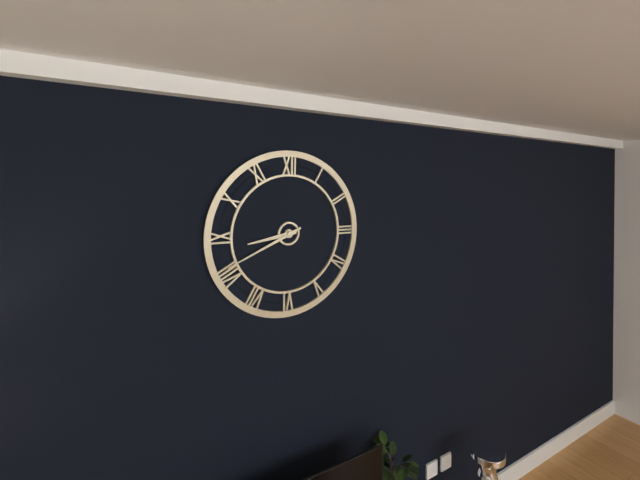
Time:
{"hour": 8, "minute": 41}
